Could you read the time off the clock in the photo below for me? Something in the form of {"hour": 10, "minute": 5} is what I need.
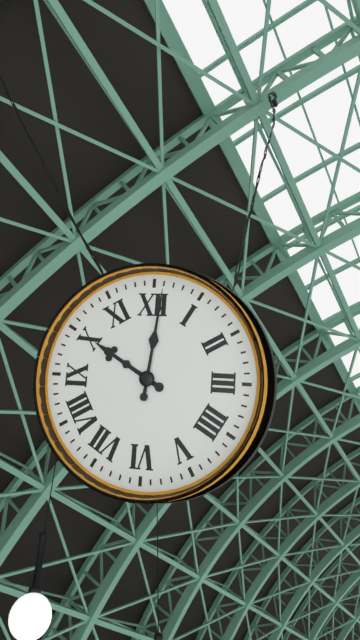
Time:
{"hour": 10, "minute": 1}
